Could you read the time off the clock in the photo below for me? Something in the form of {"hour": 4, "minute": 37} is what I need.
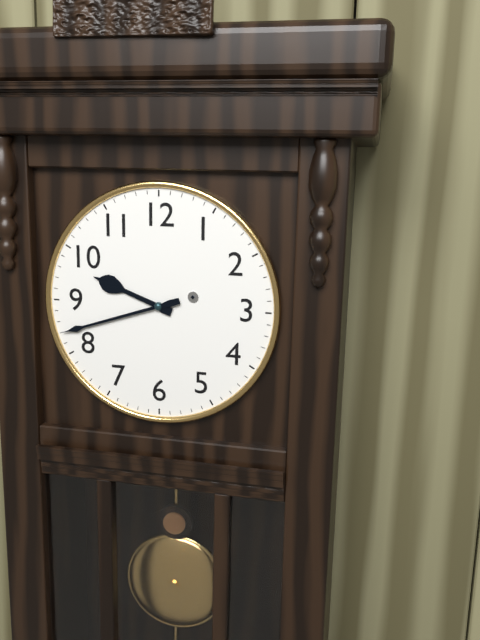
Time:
{"hour": 9, "minute": 42}
